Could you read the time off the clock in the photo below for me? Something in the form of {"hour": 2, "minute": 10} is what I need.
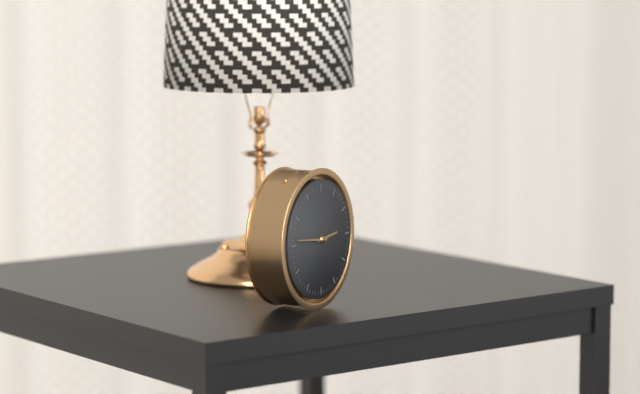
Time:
{"hour": 2, "minute": 46}
